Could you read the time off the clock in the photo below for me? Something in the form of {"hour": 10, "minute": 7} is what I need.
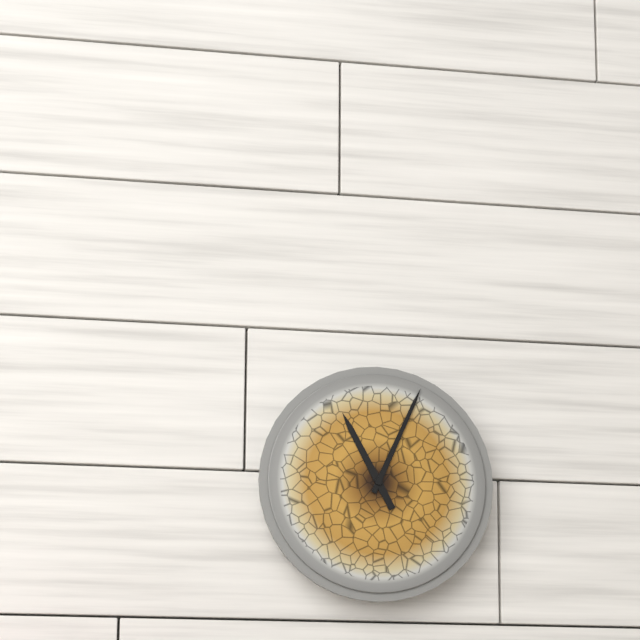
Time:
{"hour": 11, "minute": 4}
